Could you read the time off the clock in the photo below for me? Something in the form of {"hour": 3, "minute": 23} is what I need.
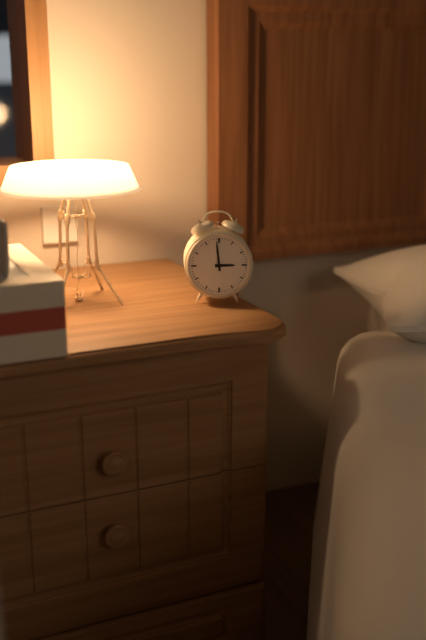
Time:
{"hour": 2, "minute": 59}
